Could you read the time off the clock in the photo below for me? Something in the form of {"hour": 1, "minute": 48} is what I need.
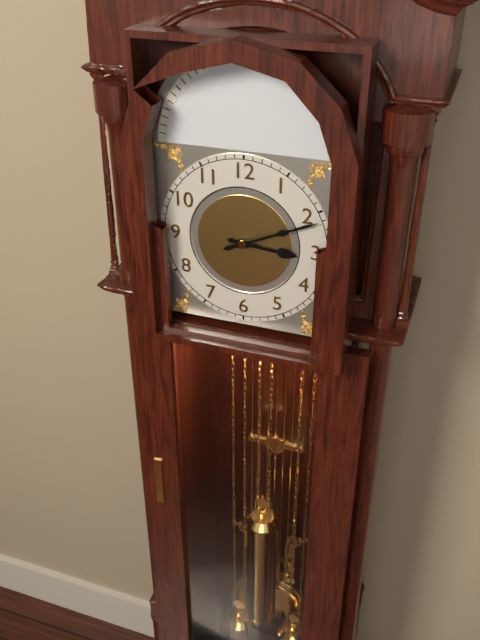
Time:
{"hour": 3, "minute": 11}
